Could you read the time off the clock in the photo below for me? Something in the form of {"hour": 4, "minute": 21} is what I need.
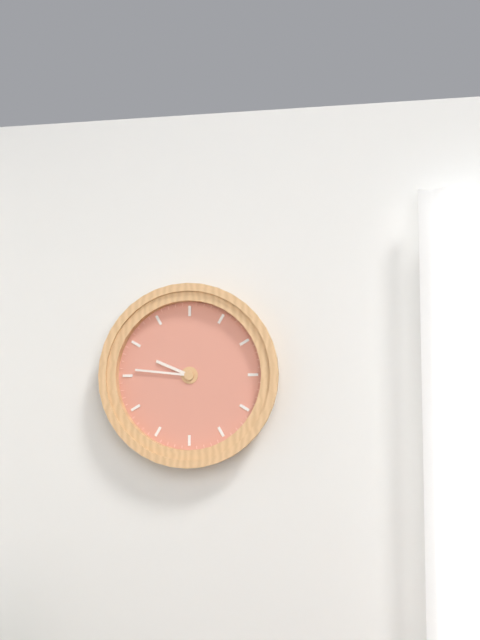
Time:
{"hour": 9, "minute": 46}
